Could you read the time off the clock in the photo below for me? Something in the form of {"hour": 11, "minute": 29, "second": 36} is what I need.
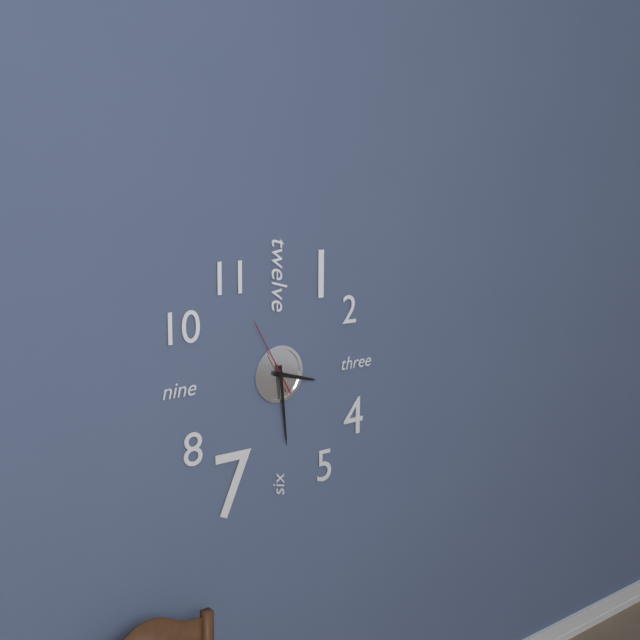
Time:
{"hour": 3, "minute": 29, "second": 55}
